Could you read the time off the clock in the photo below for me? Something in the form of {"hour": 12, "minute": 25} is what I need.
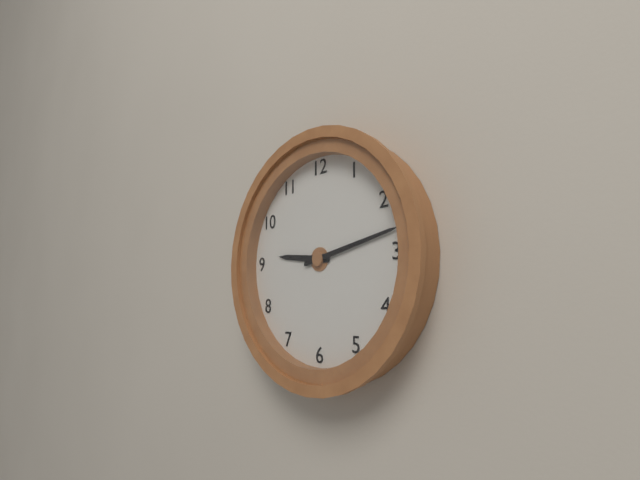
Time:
{"hour": 9, "minute": 13}
